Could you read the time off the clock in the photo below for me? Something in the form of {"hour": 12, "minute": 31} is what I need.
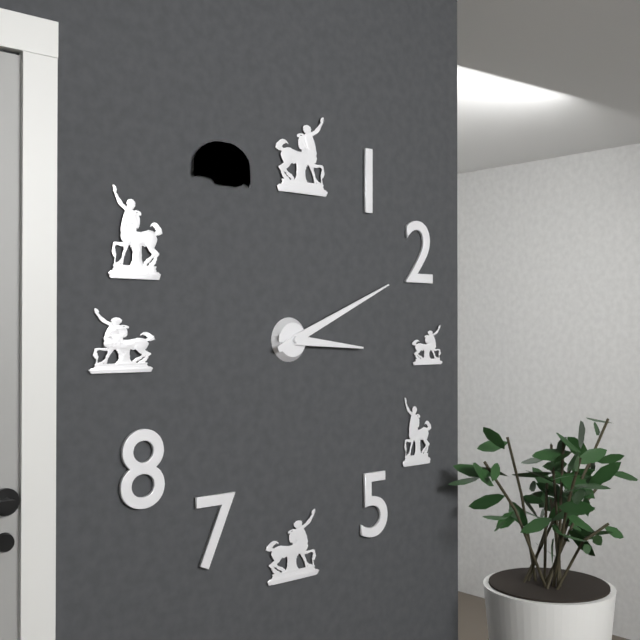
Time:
{"hour": 3, "minute": 11}
